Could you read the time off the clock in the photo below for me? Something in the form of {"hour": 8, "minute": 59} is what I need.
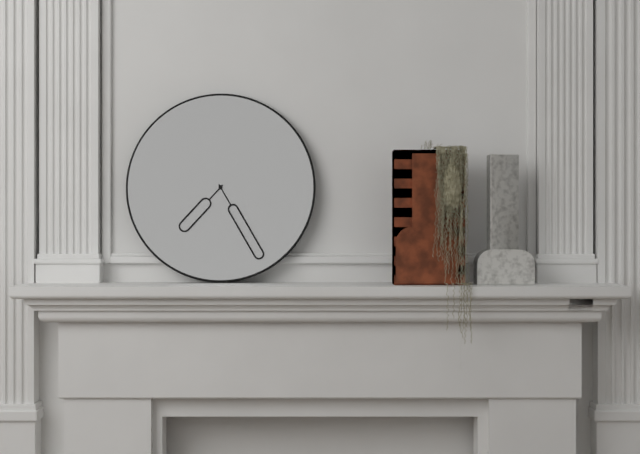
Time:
{"hour": 7, "minute": 25}
